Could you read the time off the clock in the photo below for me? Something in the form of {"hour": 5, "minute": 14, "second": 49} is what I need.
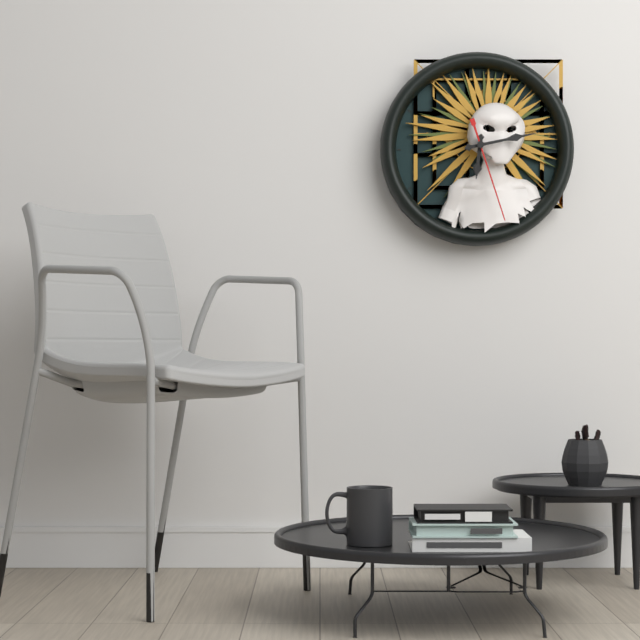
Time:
{"hour": 6, "minute": 13, "second": 27}
